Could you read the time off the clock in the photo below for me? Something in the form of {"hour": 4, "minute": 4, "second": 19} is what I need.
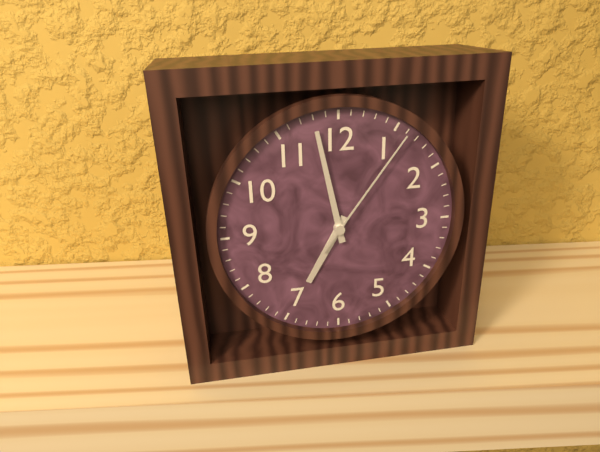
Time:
{"hour": 6, "minute": 58, "second": 6}
